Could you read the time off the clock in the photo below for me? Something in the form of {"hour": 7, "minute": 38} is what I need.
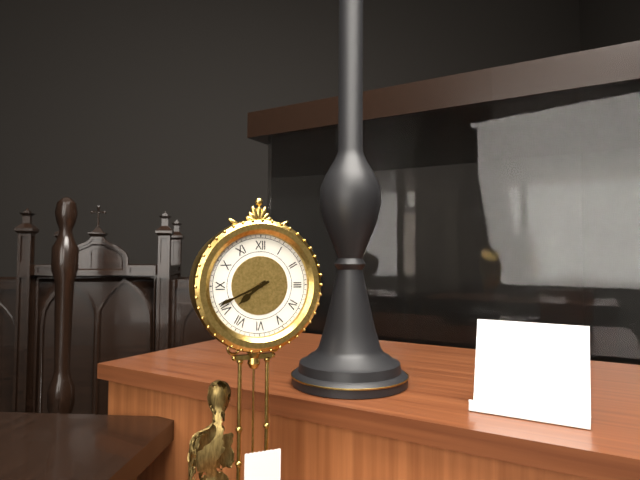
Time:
{"hour": 7, "minute": 41}
